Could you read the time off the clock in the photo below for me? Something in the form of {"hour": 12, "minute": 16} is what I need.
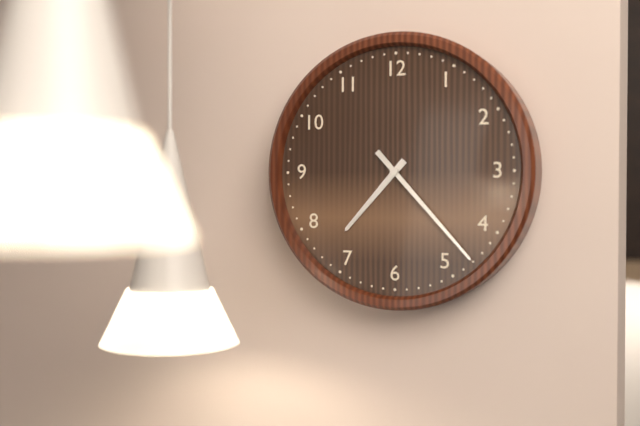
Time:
{"hour": 7, "minute": 23}
